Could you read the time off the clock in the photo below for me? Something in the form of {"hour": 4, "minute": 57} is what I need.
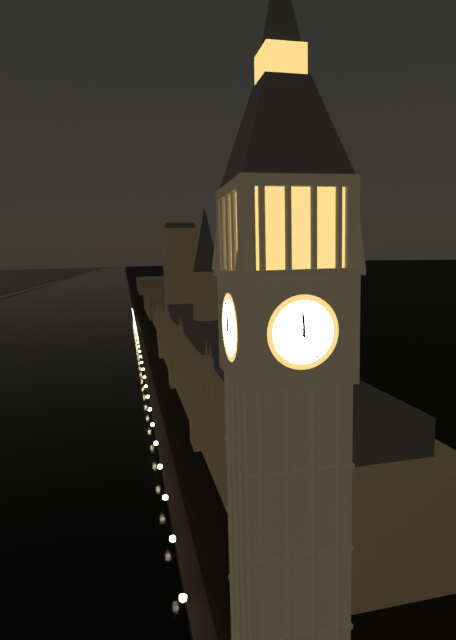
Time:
{"hour": 11, "minute": 59}
